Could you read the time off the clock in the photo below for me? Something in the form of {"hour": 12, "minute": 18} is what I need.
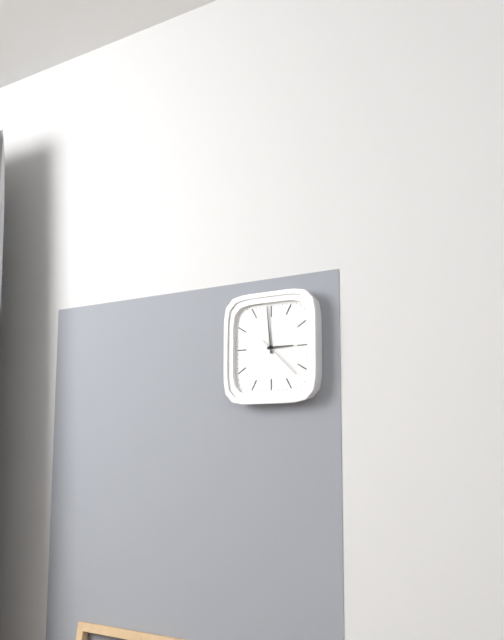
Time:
{"hour": 2, "minute": 59}
